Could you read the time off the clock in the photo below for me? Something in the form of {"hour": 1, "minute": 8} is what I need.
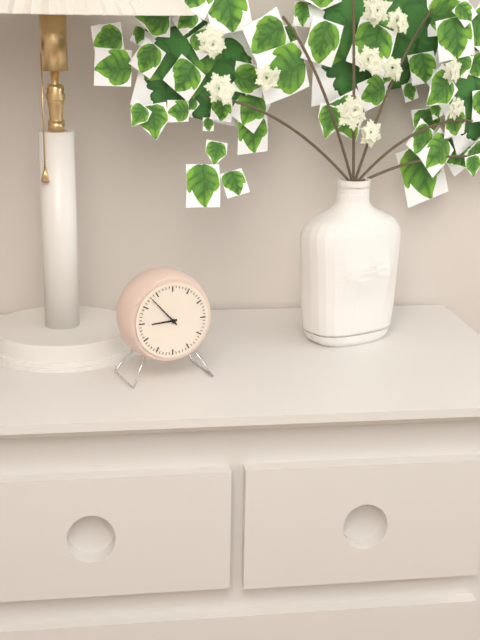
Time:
{"hour": 8, "minute": 53}
